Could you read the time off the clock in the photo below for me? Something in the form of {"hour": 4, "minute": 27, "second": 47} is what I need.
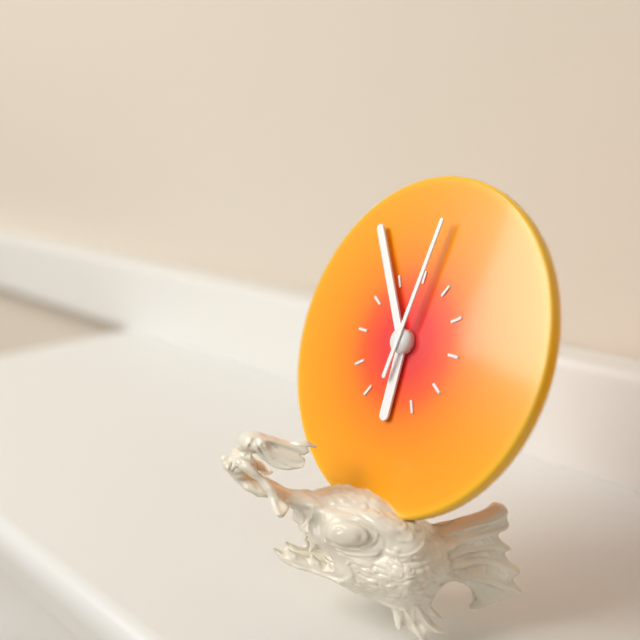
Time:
{"hour": 5, "minute": 54, "second": 1}
